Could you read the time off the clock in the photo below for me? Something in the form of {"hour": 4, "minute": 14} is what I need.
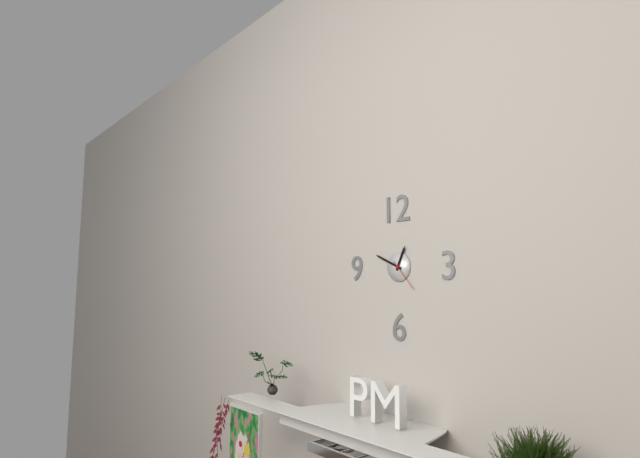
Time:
{"hour": 12, "minute": 49}
